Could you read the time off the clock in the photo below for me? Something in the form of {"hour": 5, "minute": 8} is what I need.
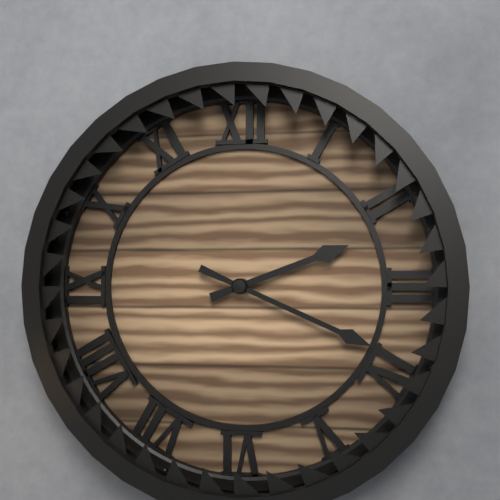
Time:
{"hour": 2, "minute": 19}
